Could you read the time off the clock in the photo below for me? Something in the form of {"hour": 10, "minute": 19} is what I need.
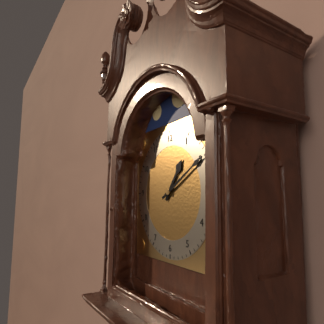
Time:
{"hour": 1, "minute": 10}
